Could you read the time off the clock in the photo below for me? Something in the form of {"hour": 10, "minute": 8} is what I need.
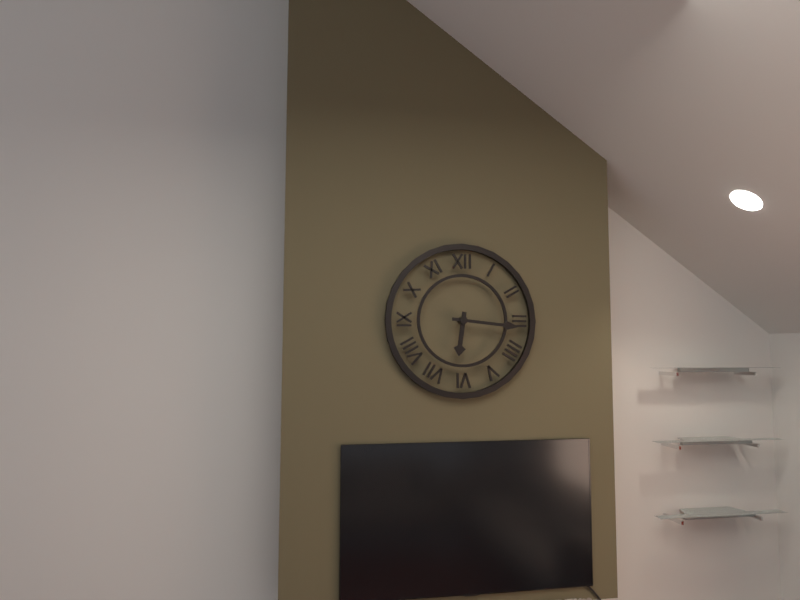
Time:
{"hour": 6, "minute": 16}
